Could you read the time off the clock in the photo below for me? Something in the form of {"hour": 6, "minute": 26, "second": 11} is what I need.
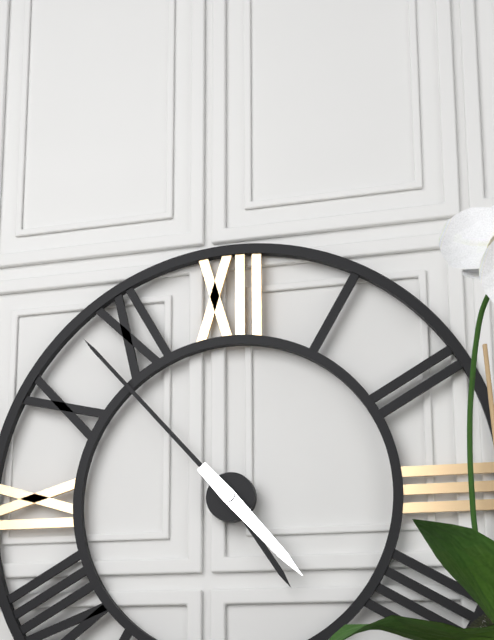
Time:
{"hour": 4, "minute": 53, "second": 23}
